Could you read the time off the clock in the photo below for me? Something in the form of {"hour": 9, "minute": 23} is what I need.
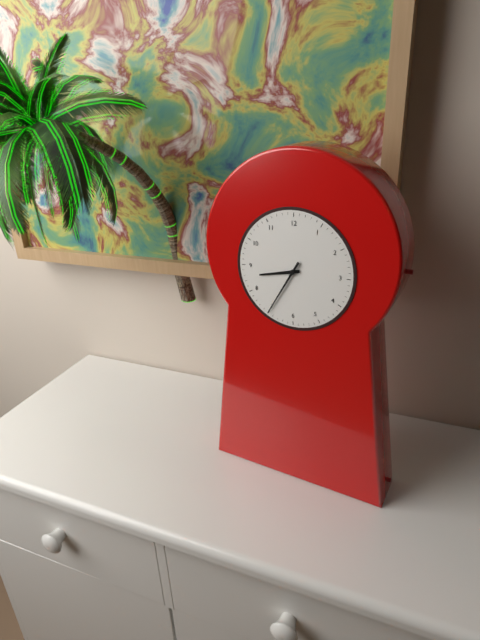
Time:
{"hour": 8, "minute": 35}
